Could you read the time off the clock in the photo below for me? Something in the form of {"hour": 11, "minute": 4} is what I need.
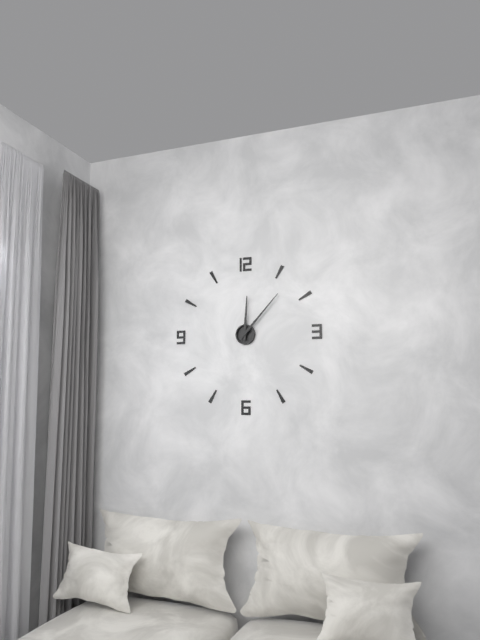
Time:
{"hour": 12, "minute": 7}
